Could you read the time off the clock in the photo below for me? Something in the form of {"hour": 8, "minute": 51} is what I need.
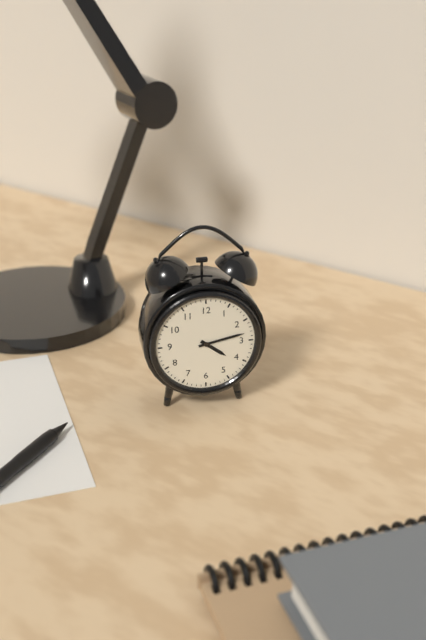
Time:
{"hour": 4, "minute": 13}
